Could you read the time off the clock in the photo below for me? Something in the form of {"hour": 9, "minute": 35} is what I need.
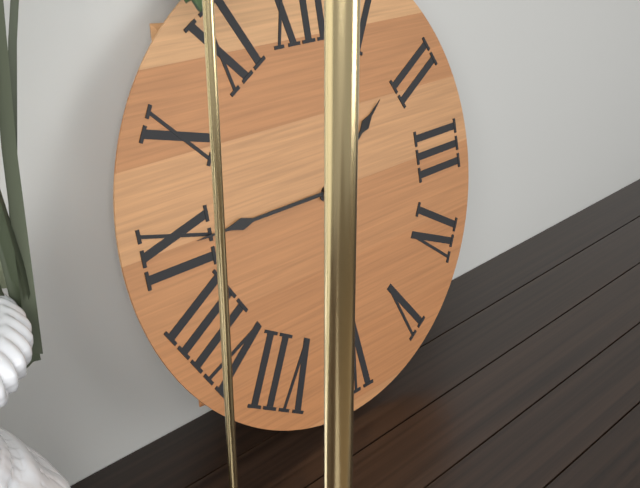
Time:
{"hour": 1, "minute": 45}
